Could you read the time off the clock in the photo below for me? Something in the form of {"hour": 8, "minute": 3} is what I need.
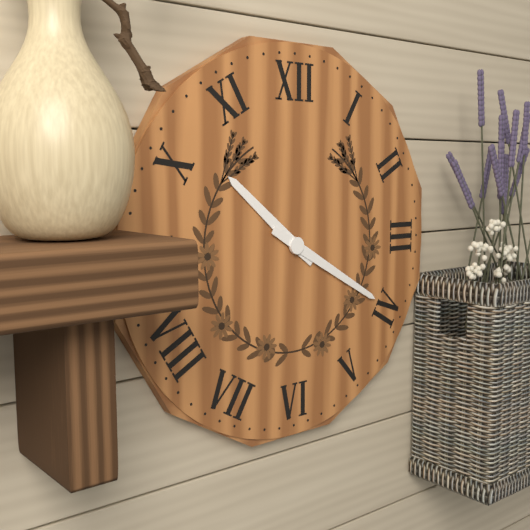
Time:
{"hour": 10, "minute": 20}
